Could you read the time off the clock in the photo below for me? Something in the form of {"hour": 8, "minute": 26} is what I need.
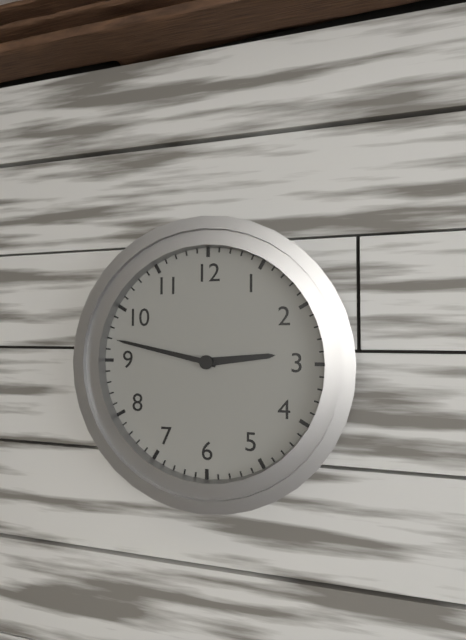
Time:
{"hour": 2, "minute": 47}
